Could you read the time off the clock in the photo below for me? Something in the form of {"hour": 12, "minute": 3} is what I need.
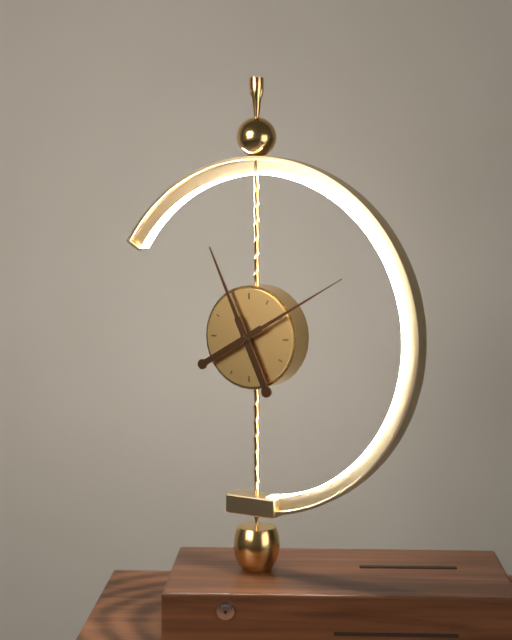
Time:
{"hour": 11, "minute": 10}
